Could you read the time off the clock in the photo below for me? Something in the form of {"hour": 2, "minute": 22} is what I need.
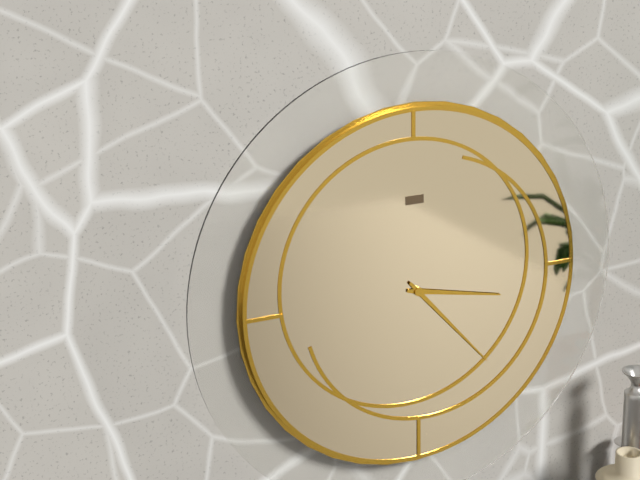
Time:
{"hour": 3, "minute": 23}
